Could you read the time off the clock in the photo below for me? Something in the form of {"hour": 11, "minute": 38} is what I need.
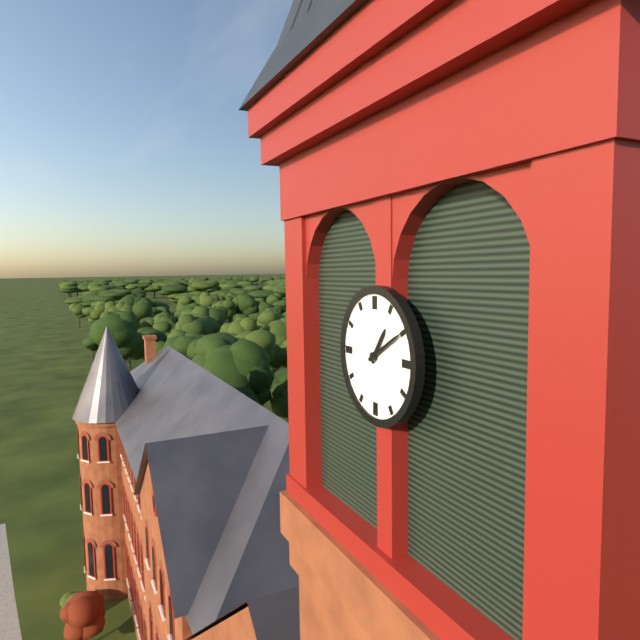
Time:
{"hour": 1, "minute": 10}
